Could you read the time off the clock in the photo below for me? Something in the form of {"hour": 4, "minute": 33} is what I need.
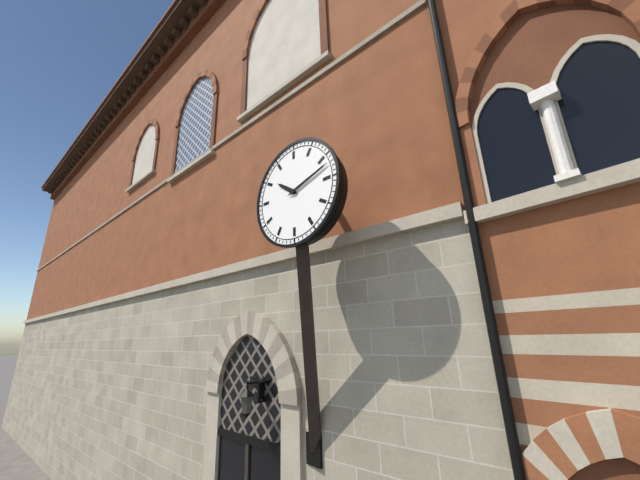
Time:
{"hour": 10, "minute": 12}
